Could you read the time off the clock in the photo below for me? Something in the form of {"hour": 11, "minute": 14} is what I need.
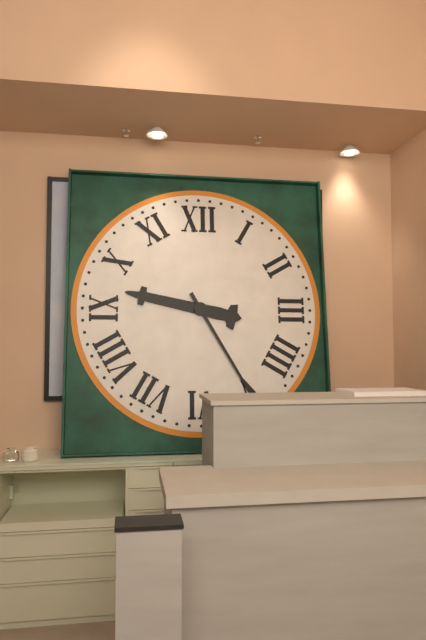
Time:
{"hour": 9, "minute": 25}
